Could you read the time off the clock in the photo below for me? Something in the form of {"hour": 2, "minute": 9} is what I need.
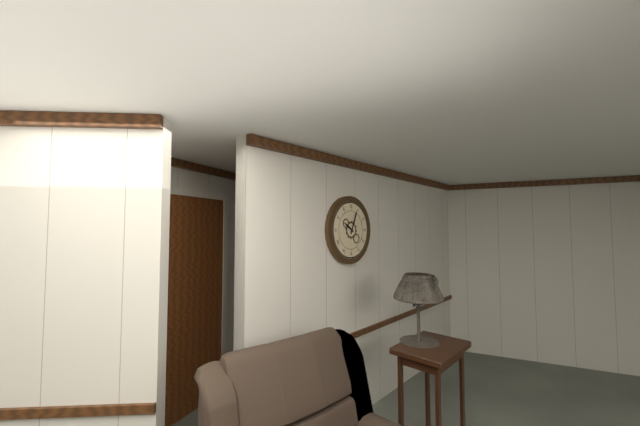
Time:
{"hour": 10, "minute": 4}
